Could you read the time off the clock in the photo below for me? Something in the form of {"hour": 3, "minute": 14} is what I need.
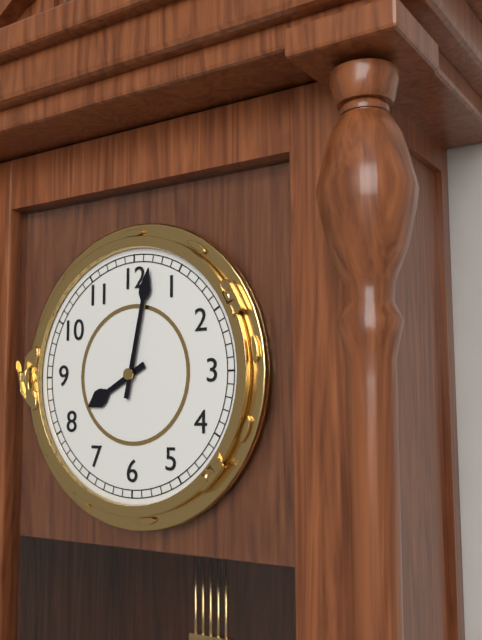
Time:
{"hour": 8, "minute": 2}
